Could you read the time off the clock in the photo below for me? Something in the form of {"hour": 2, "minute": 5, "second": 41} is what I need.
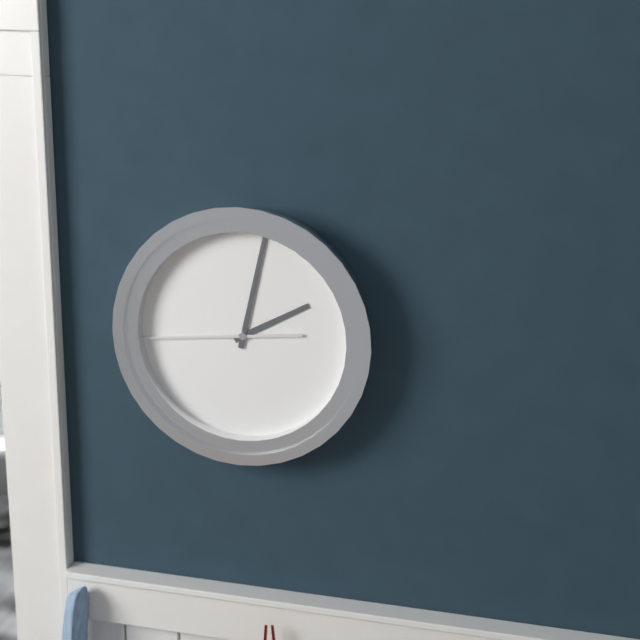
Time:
{"hour": 2, "minute": 2, "second": 44}
